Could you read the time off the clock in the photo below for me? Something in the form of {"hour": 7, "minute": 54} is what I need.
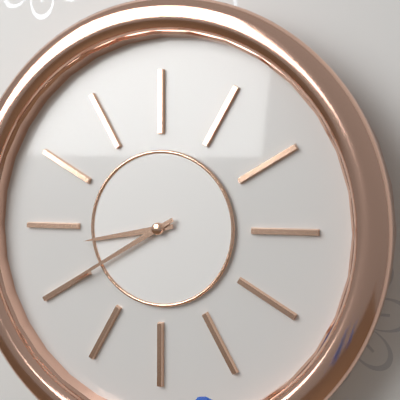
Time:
{"hour": 8, "minute": 40}
